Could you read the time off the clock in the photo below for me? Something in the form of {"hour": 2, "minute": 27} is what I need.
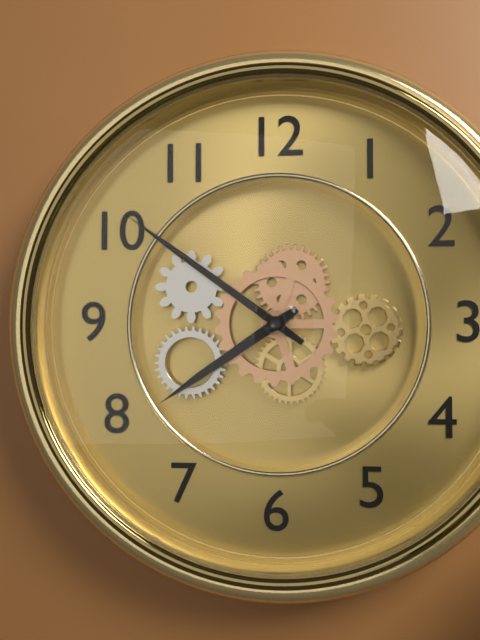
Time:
{"hour": 7, "minute": 51}
